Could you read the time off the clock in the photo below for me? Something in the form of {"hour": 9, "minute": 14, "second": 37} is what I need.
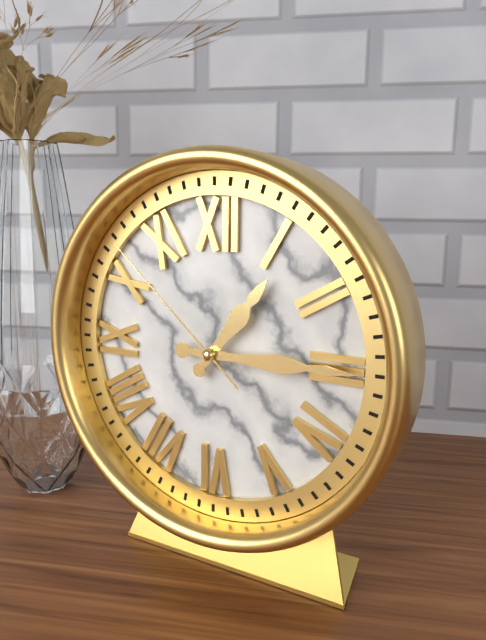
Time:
{"hour": 1, "minute": 15, "second": 52}
